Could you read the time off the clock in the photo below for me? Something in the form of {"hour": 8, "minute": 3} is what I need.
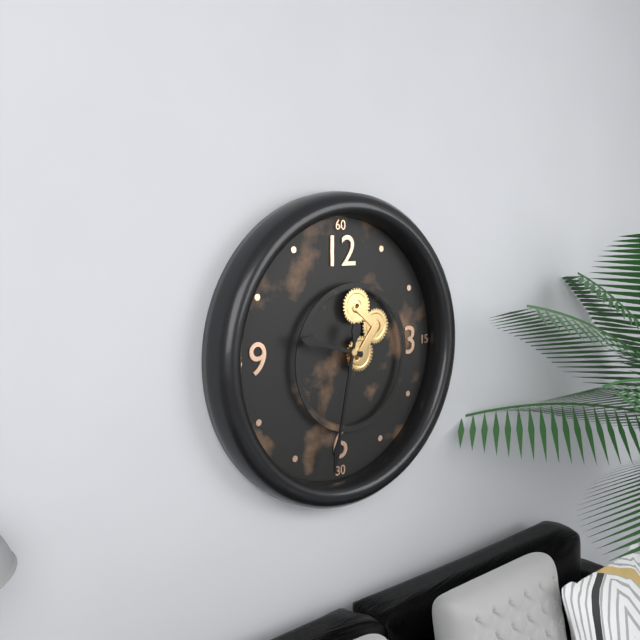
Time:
{"hour": 9, "minute": 32}
